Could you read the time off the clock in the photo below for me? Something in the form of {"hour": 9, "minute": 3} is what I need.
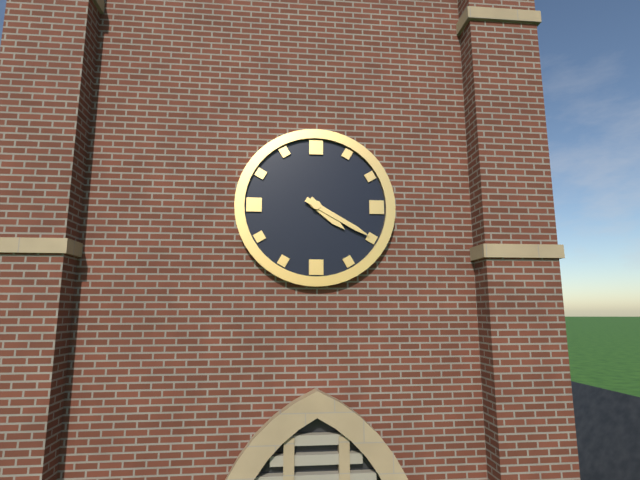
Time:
{"hour": 4, "minute": 20}
